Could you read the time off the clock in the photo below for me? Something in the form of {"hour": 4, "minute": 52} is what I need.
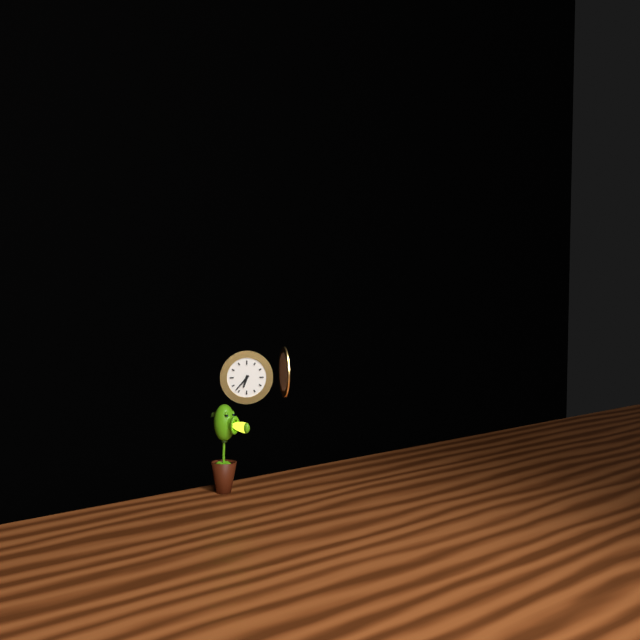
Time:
{"hour": 6, "minute": 37}
